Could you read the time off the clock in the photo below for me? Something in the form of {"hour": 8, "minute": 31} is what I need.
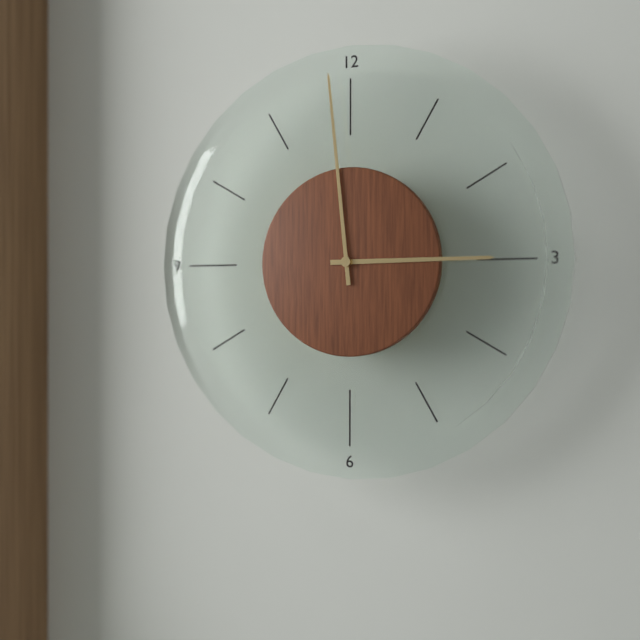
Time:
{"hour": 2, "minute": 59}
